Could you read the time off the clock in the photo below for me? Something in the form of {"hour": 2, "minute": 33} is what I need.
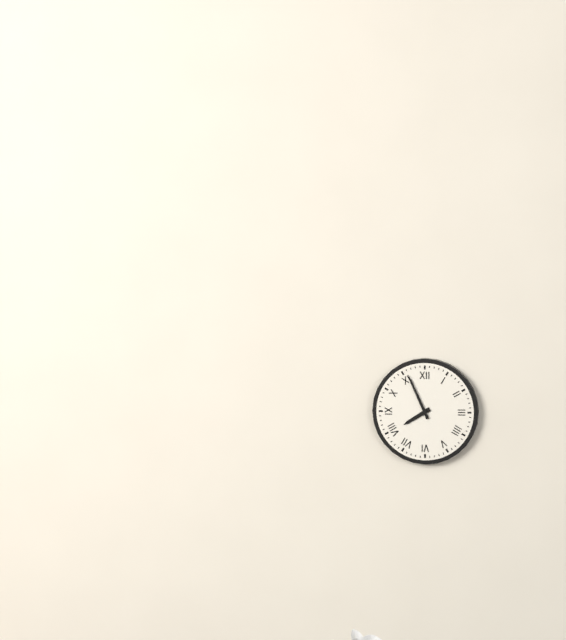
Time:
{"hour": 7, "minute": 56}
